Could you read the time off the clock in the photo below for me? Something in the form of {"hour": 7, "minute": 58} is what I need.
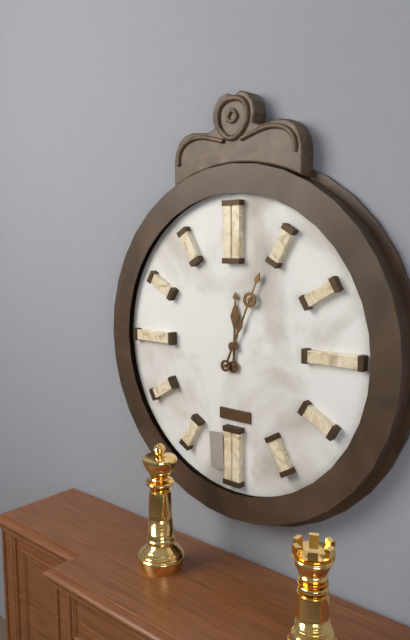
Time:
{"hour": 12, "minute": 4}
